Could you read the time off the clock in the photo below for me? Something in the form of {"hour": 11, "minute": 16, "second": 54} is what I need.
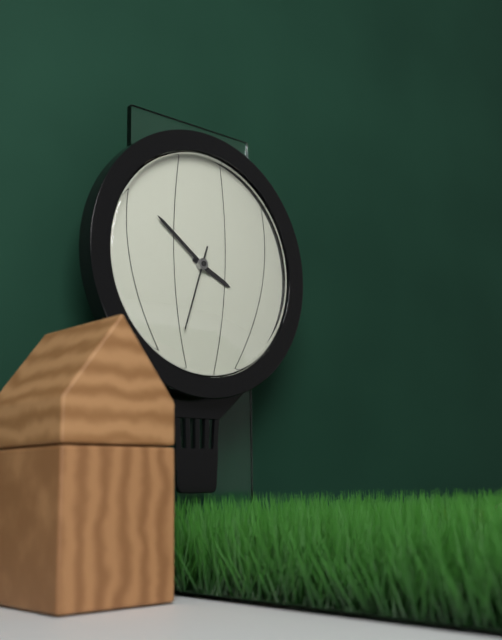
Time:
{"hour": 3, "minute": 51, "second": 33}
